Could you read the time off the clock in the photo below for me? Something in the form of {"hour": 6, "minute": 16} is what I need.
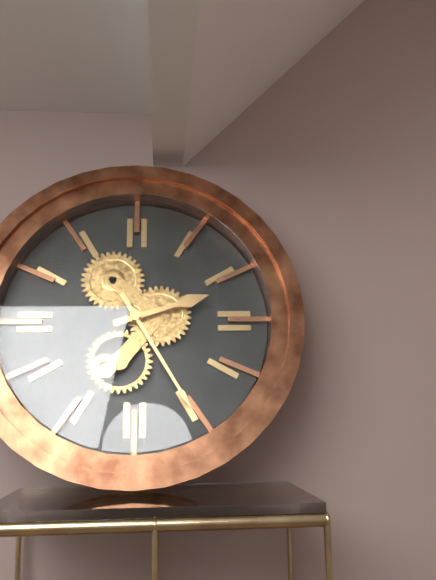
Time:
{"hour": 2, "minute": 25}
